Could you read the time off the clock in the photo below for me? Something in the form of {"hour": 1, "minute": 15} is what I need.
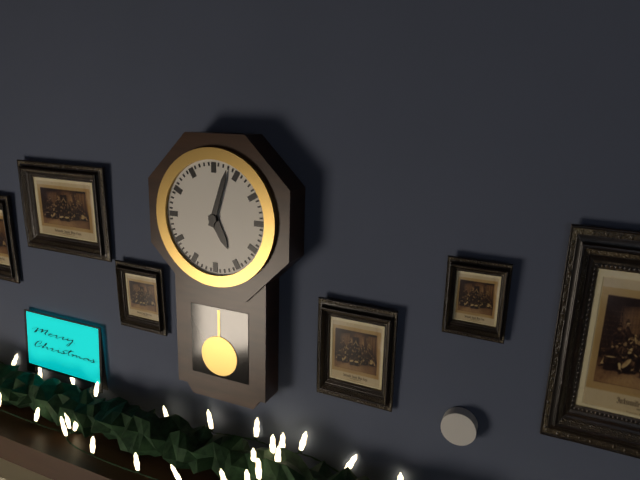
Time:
{"hour": 5, "minute": 3}
